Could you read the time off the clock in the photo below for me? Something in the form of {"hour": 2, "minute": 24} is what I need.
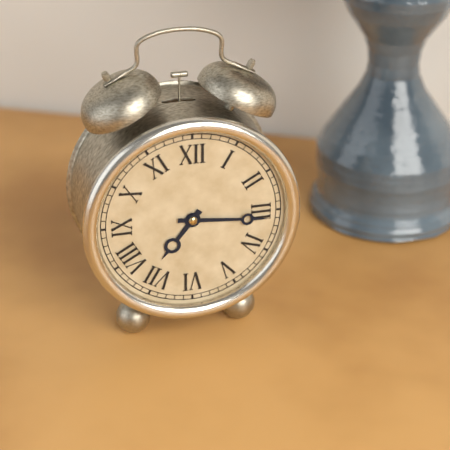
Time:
{"hour": 7, "minute": 16}
